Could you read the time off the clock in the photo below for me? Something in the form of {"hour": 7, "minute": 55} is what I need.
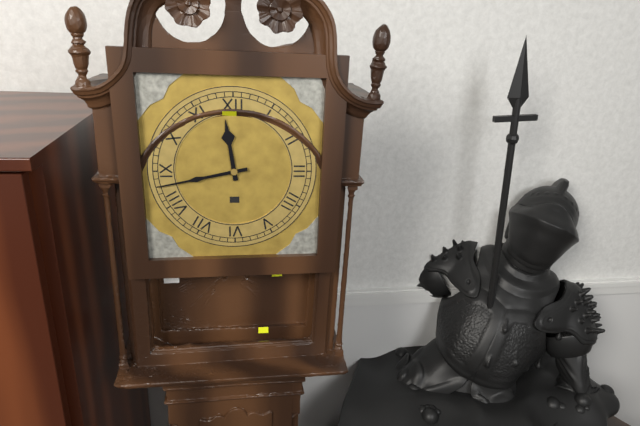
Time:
{"hour": 11, "minute": 43}
